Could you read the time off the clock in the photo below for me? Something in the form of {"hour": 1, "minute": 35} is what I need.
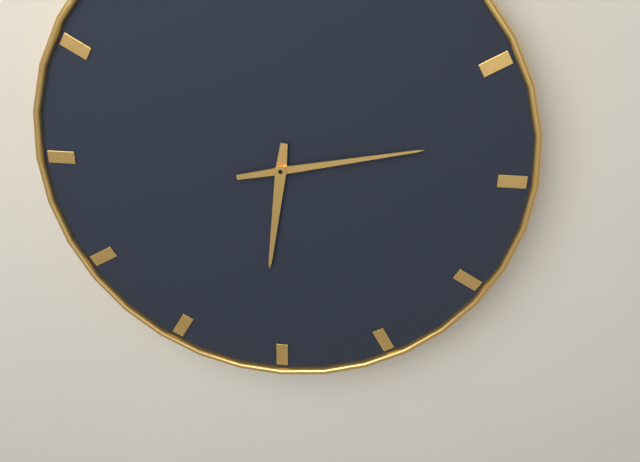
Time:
{"hour": 6, "minute": 13}
